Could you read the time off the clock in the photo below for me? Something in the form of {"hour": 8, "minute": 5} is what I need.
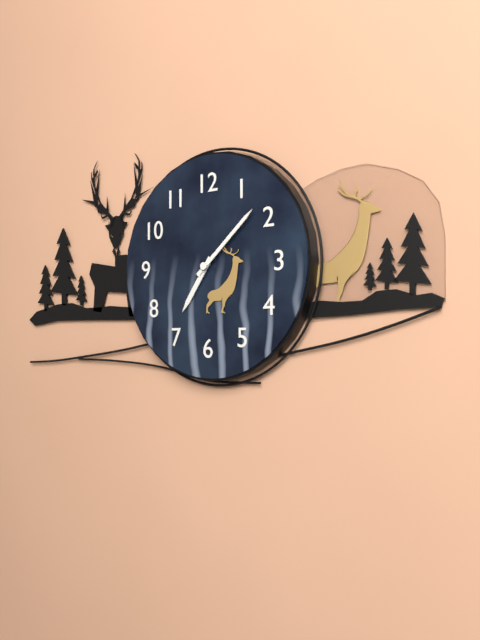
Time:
{"hour": 7, "minute": 8}
